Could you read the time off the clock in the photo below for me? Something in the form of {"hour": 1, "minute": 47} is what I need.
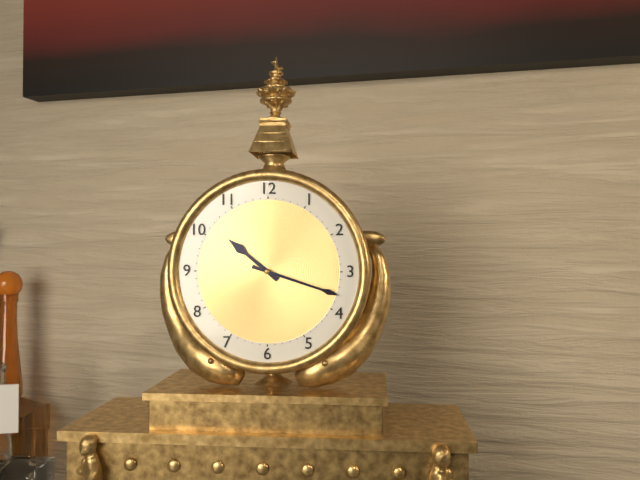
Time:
{"hour": 10, "minute": 18}
